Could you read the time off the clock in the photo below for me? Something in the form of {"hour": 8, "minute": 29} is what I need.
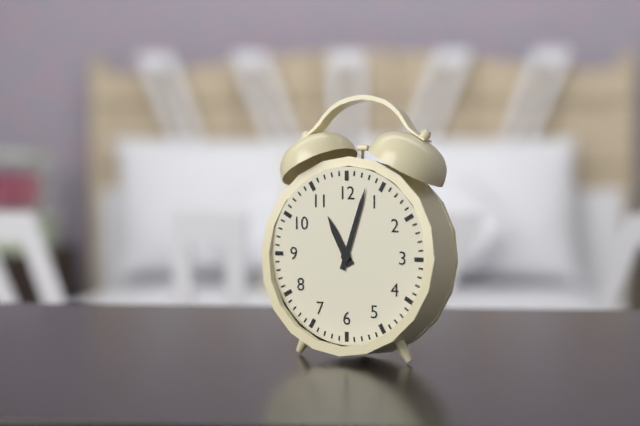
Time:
{"hour": 11, "minute": 3}
